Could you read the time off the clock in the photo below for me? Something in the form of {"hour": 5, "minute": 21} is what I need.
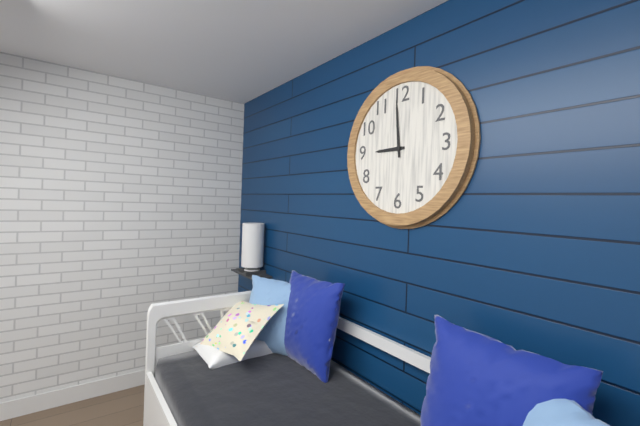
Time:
{"hour": 8, "minute": 59}
